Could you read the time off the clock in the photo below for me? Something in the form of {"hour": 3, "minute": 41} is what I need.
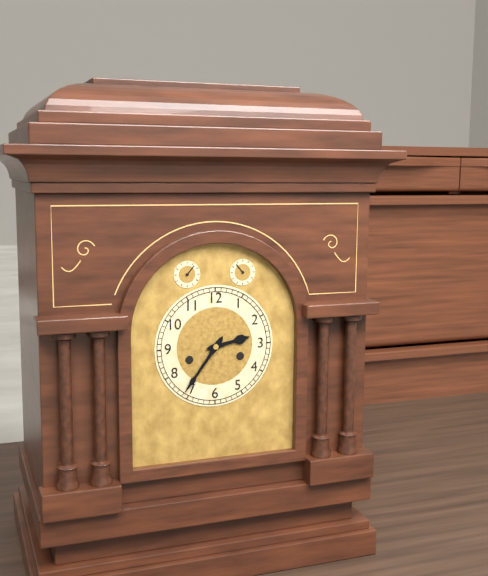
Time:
{"hour": 2, "minute": 36}
